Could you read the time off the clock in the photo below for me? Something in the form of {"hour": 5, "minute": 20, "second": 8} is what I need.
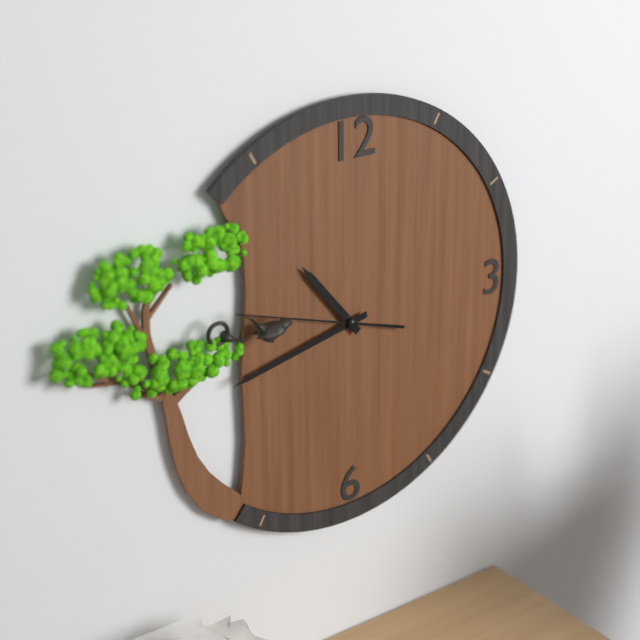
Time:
{"hour": 10, "minute": 43, "second": 48}
